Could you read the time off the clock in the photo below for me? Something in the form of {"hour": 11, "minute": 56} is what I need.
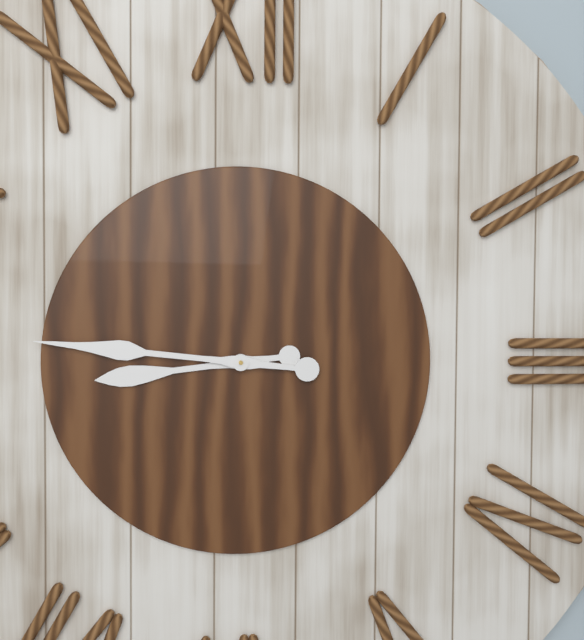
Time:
{"hour": 8, "minute": 46}
